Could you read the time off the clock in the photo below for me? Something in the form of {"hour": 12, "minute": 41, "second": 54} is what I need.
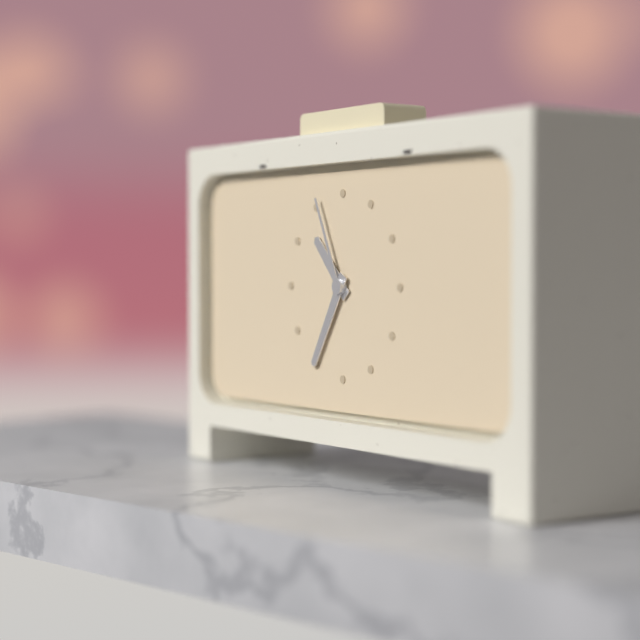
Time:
{"hour": 10, "minute": 35, "second": 56}
